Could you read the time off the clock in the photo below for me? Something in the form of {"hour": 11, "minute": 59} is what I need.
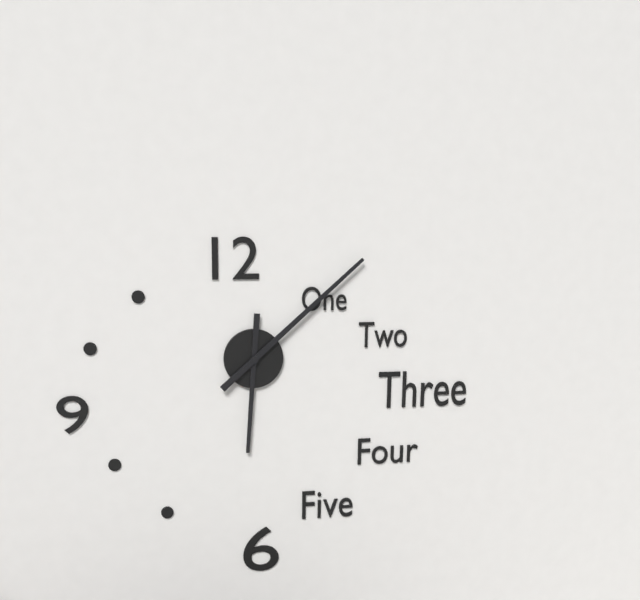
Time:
{"hour": 6, "minute": 8}
